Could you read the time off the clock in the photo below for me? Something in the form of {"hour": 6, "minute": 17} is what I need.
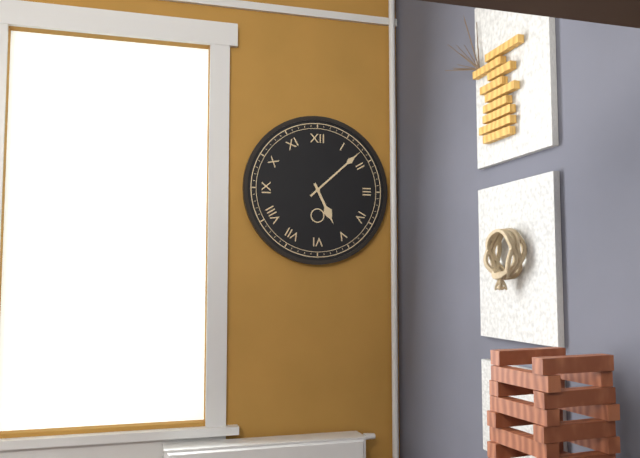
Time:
{"hour": 5, "minute": 8}
